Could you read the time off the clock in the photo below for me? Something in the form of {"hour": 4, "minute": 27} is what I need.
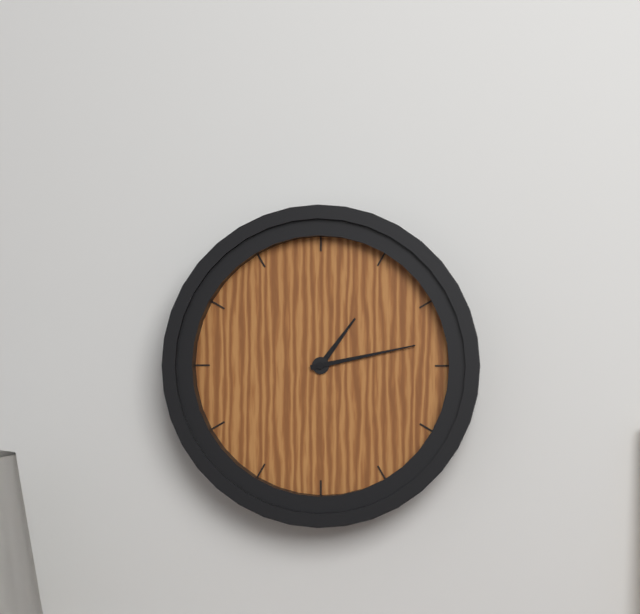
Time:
{"hour": 1, "minute": 13}
